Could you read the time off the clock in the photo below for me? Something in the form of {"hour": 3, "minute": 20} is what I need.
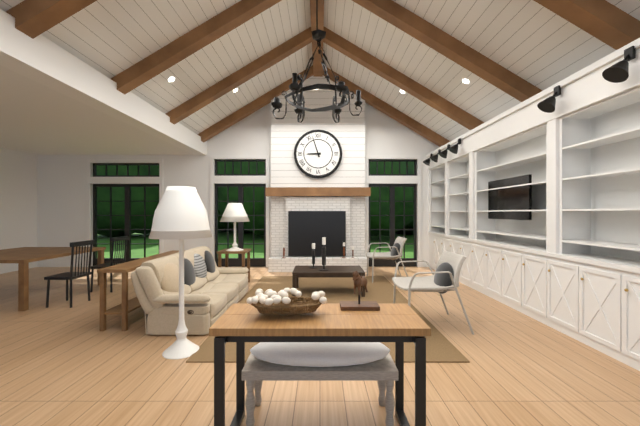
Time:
{"hour": 8, "minute": 57}
